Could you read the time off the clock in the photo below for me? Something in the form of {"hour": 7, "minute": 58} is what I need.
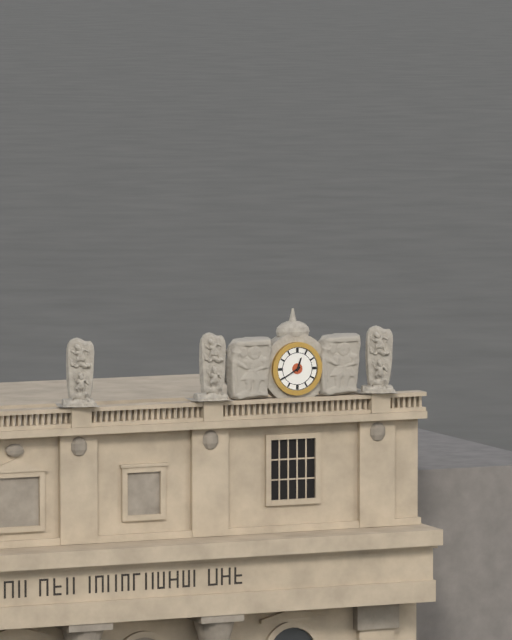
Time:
{"hour": 12, "minute": 40}
